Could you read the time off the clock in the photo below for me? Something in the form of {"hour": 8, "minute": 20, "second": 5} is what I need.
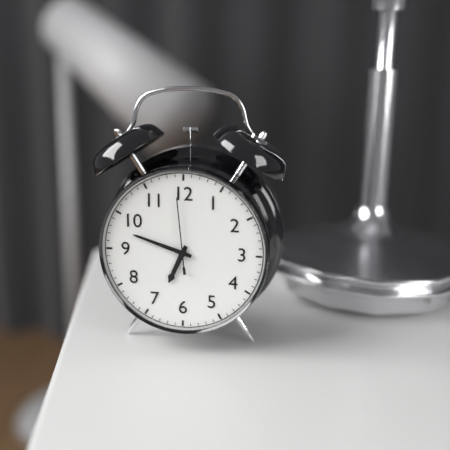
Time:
{"hour": 6, "minute": 48, "second": 59}
